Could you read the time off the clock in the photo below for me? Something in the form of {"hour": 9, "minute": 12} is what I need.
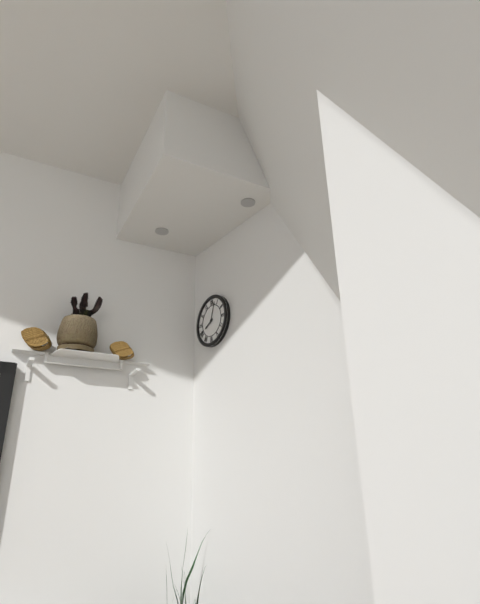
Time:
{"hour": 8, "minute": 3}
